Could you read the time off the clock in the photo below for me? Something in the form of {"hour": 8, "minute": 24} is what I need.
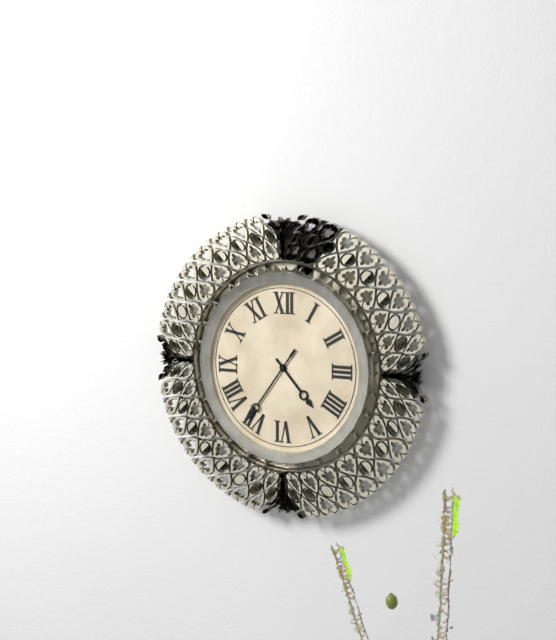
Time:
{"hour": 4, "minute": 36}
